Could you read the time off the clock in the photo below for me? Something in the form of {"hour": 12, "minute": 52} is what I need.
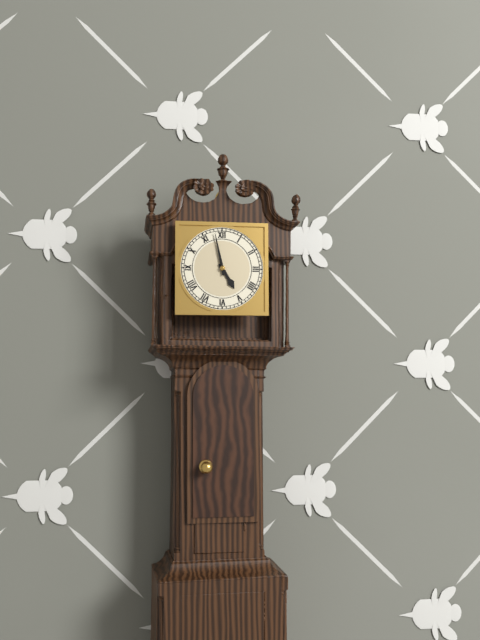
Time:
{"hour": 4, "minute": 58}
